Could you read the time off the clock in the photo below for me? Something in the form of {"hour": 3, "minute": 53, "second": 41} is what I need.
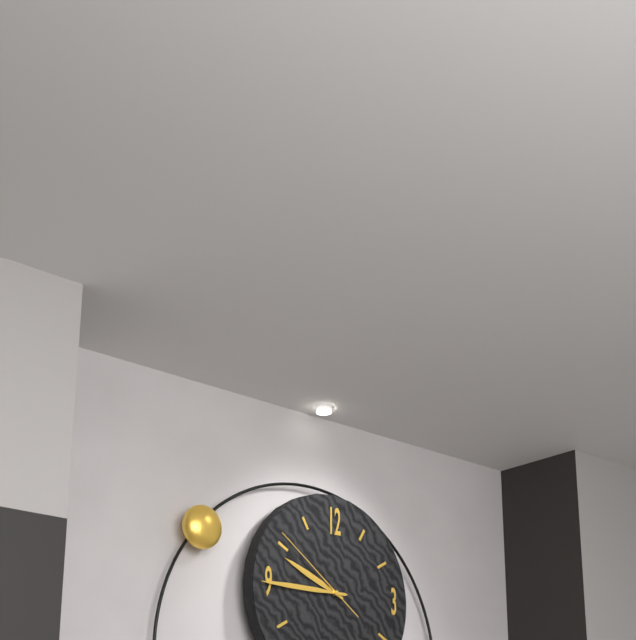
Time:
{"hour": 9, "minute": 45, "second": 51}
